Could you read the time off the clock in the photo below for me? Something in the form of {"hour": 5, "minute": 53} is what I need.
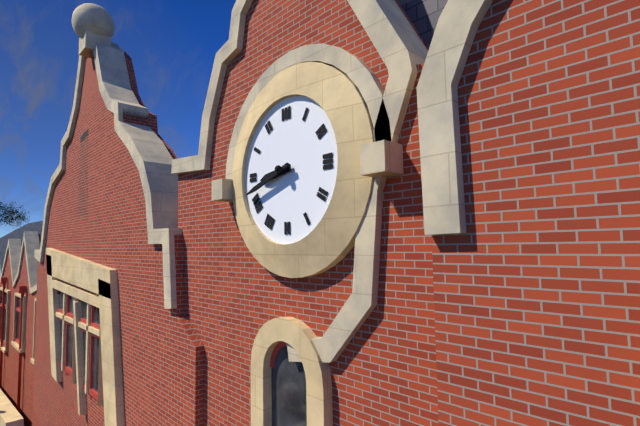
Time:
{"hour": 8, "minute": 42}
